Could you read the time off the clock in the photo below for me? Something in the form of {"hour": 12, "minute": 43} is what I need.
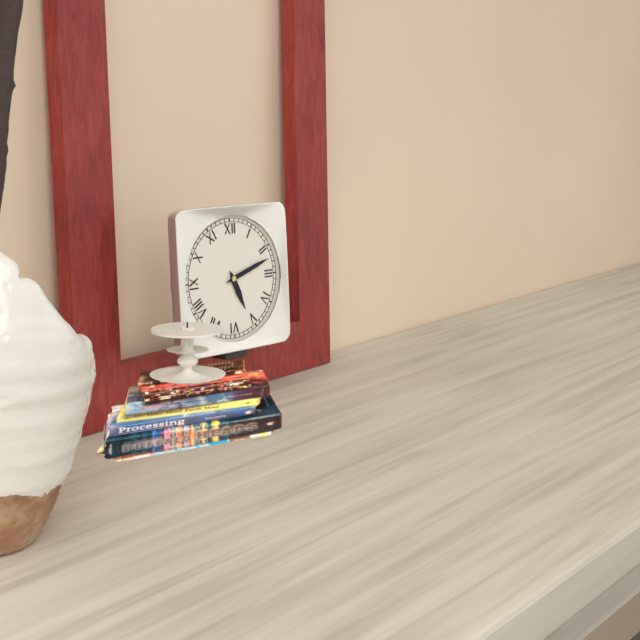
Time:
{"hour": 5, "minute": 12}
